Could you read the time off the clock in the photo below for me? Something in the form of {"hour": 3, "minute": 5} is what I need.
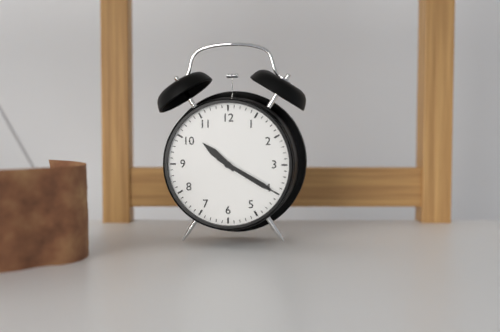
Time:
{"hour": 10, "minute": 20}
